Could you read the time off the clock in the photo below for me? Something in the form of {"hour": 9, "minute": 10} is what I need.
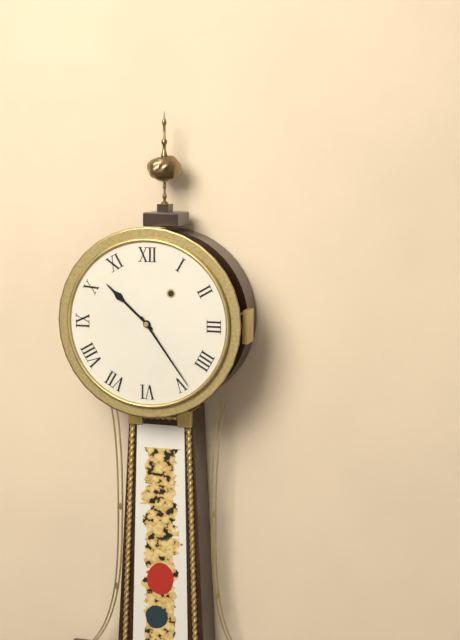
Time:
{"hour": 10, "minute": 24}
